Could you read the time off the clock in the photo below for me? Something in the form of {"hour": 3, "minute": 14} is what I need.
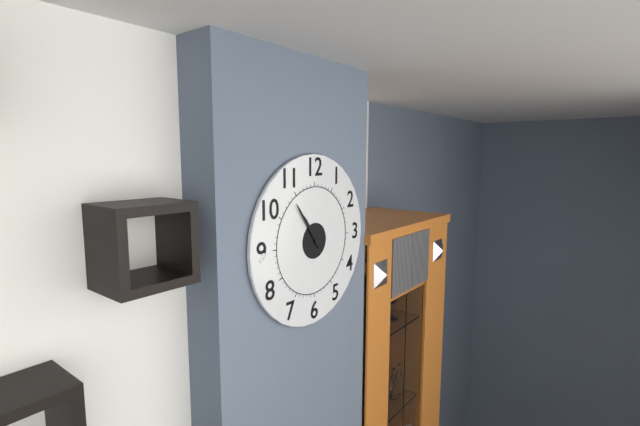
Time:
{"hour": 10, "minute": 54}
